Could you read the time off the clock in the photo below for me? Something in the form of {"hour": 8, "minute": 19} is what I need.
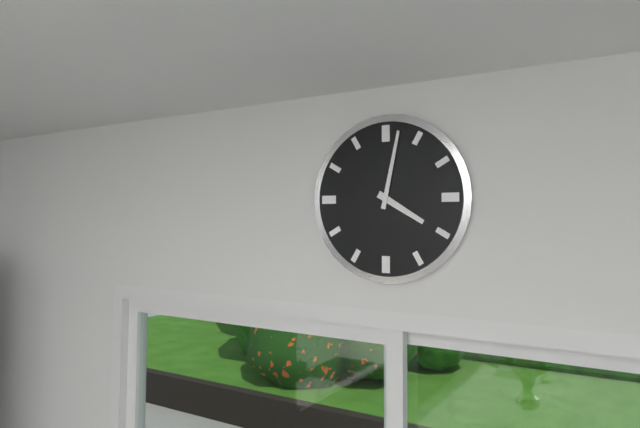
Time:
{"hour": 4, "minute": 2}
